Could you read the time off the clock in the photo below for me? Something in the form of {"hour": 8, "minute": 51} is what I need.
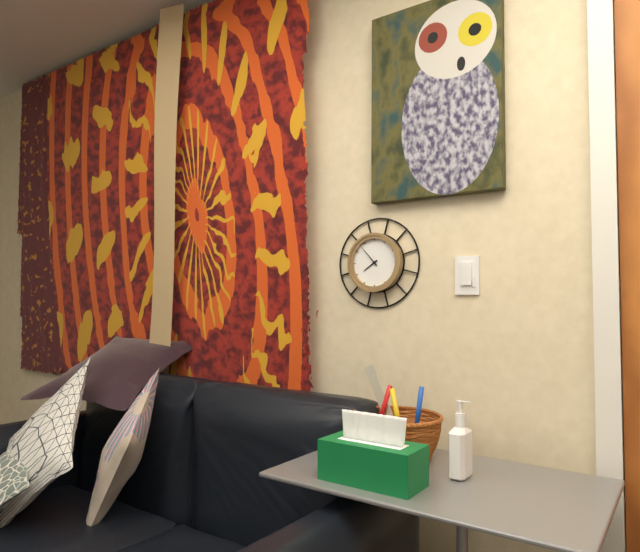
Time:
{"hour": 7, "minute": 53}
